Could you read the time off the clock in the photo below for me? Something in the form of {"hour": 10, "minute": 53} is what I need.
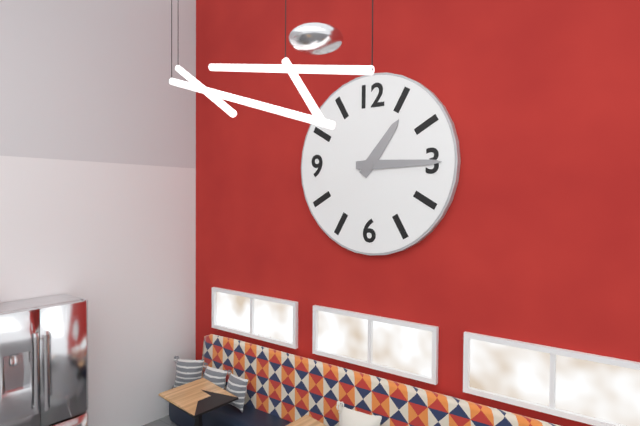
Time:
{"hour": 1, "minute": 15}
